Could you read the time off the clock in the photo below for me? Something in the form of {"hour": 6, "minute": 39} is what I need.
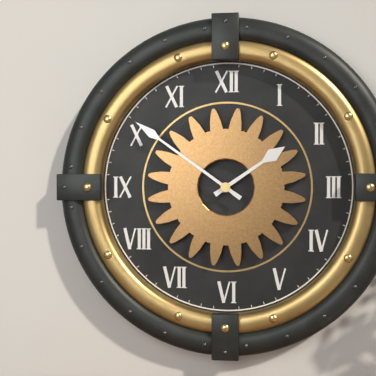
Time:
{"hour": 1, "minute": 51}
